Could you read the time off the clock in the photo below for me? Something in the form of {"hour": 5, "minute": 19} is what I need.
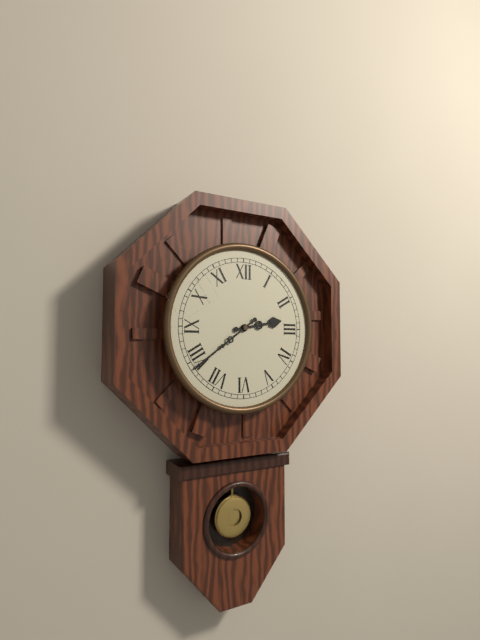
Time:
{"hour": 2, "minute": 39}
